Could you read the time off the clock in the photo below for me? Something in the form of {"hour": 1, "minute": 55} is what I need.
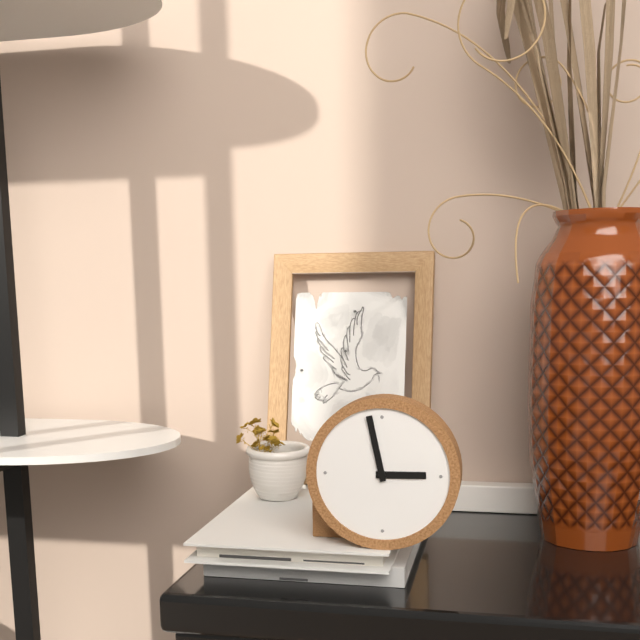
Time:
{"hour": 2, "minute": 58}
